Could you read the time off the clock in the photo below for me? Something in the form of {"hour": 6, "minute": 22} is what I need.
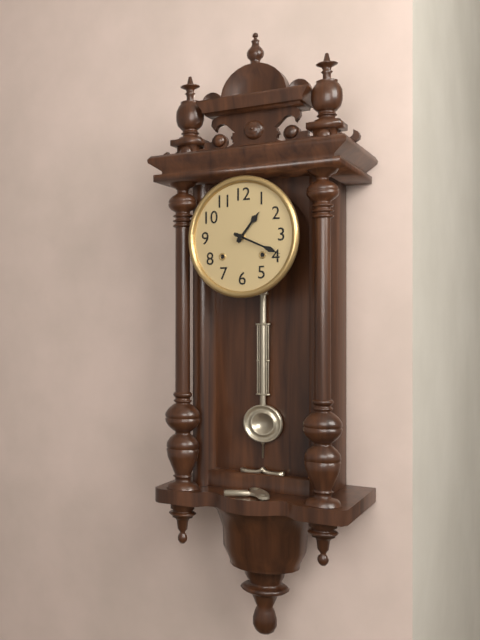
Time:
{"hour": 1, "minute": 19}
